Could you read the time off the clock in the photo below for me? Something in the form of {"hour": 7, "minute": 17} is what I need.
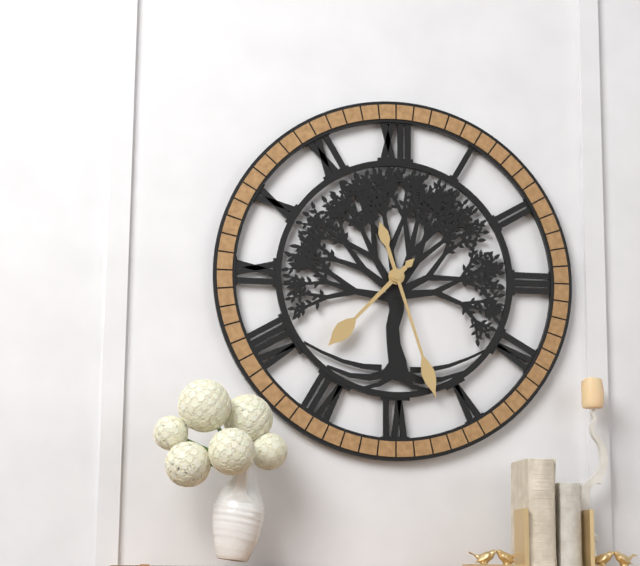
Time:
{"hour": 7, "minute": 27}
